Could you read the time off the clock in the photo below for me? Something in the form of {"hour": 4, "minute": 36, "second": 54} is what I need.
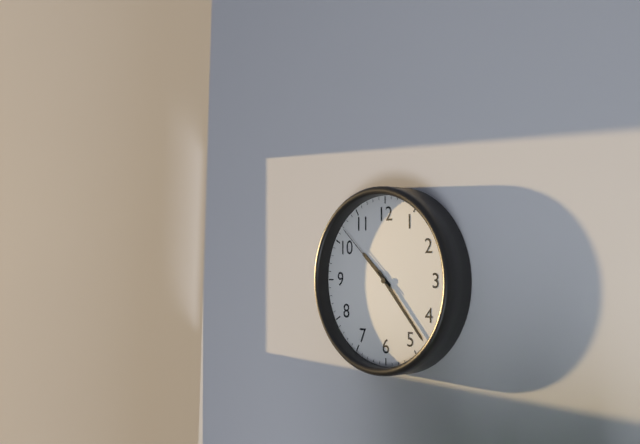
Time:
{"hour": 10, "minute": 23, "second": 52}
